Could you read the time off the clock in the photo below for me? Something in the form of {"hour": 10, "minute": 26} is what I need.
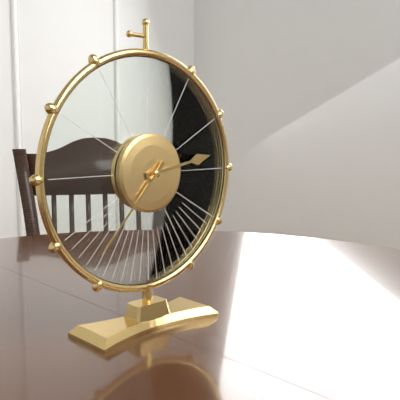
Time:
{"hour": 2, "minute": 37}
